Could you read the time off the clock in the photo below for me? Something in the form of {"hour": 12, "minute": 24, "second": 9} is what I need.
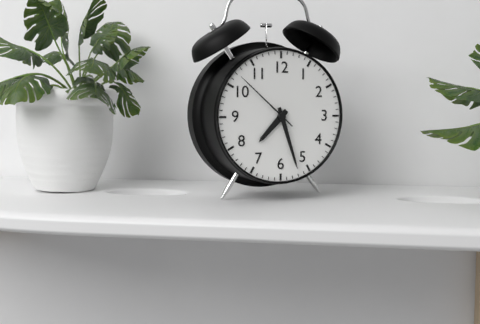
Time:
{"hour": 7, "minute": 27, "second": 52}
